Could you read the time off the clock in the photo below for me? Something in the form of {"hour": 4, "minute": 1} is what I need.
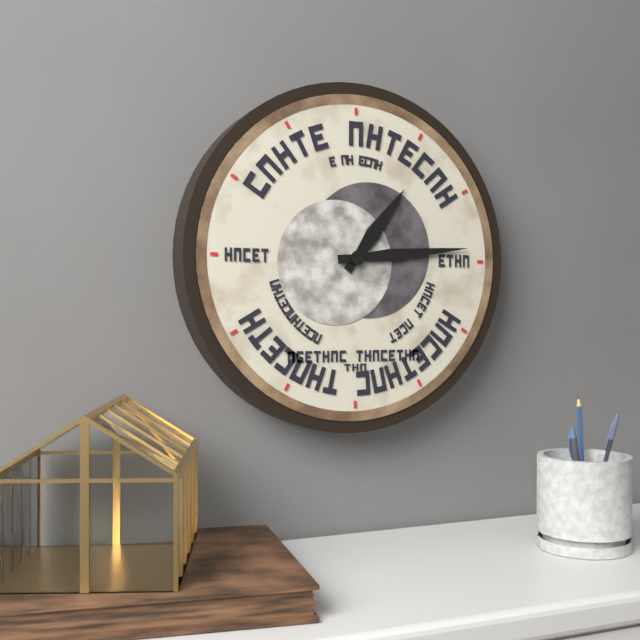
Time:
{"hour": 1, "minute": 14}
